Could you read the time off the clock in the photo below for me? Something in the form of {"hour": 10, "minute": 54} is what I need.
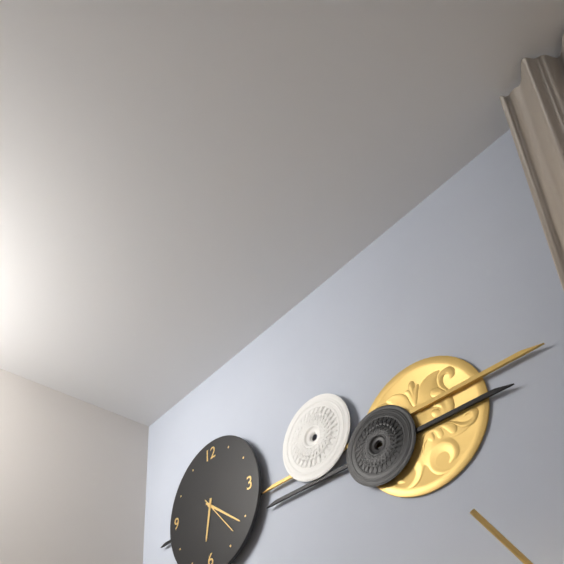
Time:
{"hour": 6, "minute": 21}
